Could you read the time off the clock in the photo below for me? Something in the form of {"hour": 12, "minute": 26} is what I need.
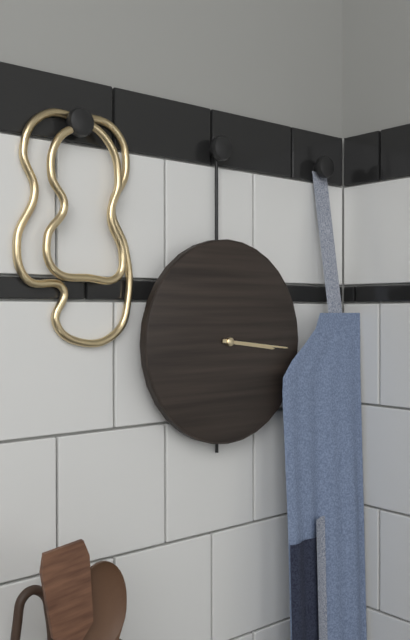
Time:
{"hour": 3, "minute": 16}
